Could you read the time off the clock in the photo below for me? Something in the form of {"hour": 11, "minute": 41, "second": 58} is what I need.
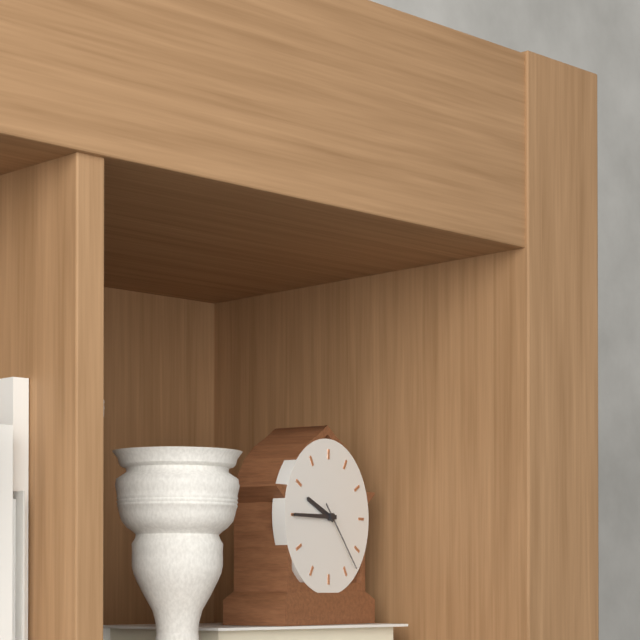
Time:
{"hour": 9, "minute": 45, "second": 23}
